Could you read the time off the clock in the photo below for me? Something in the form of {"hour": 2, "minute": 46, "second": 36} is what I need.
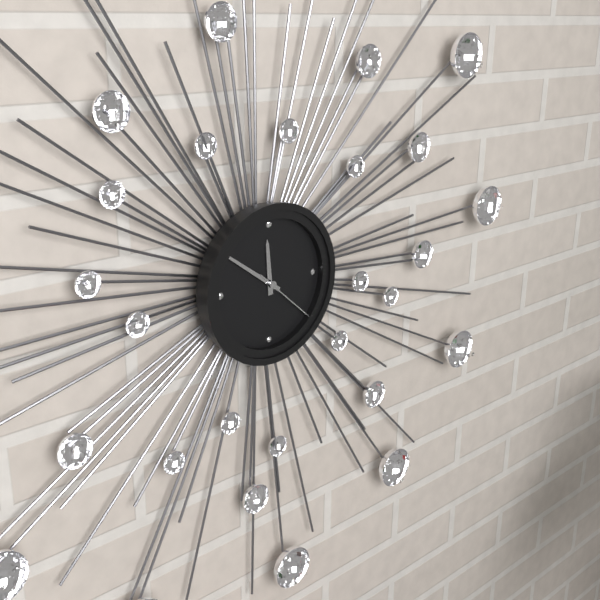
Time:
{"hour": 11, "minute": 51, "second": 22}
